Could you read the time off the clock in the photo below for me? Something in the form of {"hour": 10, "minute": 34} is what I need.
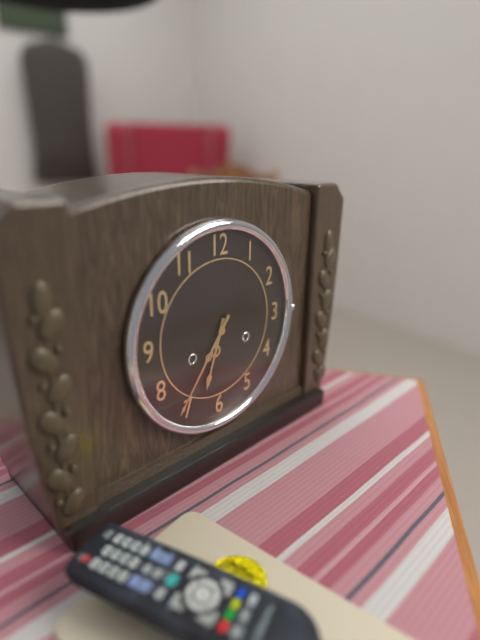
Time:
{"hour": 6, "minute": 36}
